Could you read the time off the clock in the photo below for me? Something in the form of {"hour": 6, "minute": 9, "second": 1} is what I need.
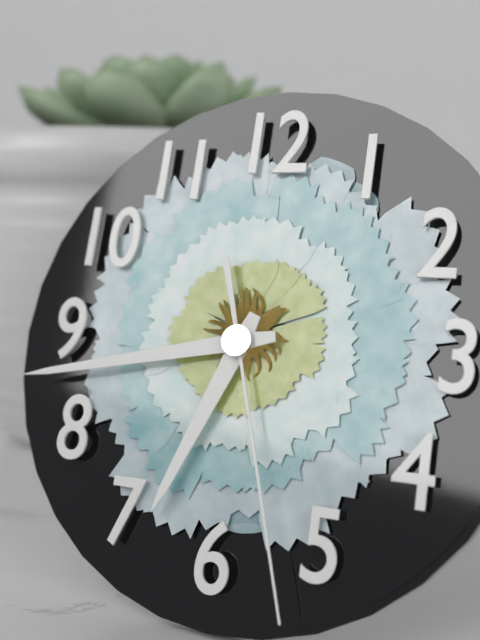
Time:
{"hour": 6, "minute": 43, "second": 27}
